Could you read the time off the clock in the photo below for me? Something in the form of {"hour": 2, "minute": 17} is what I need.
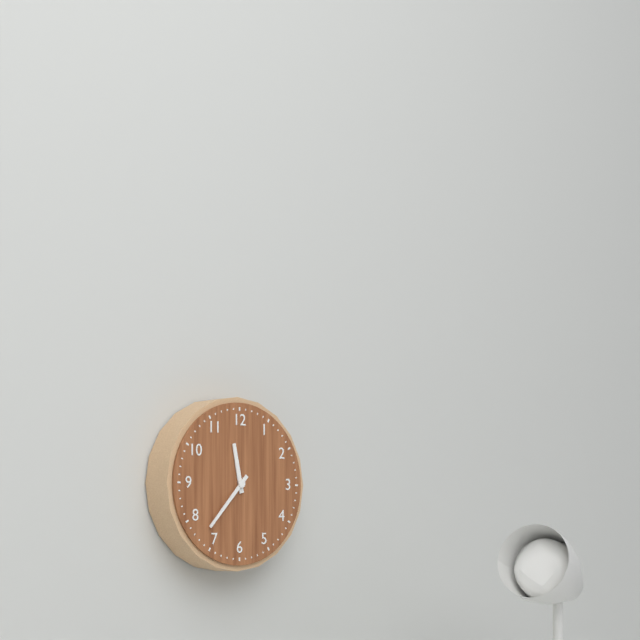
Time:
{"hour": 11, "minute": 37}
